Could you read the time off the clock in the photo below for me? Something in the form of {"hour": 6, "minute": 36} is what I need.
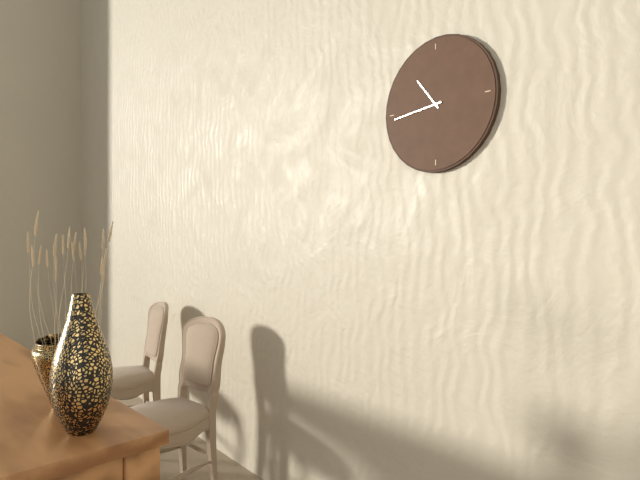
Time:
{"hour": 10, "minute": 44}
